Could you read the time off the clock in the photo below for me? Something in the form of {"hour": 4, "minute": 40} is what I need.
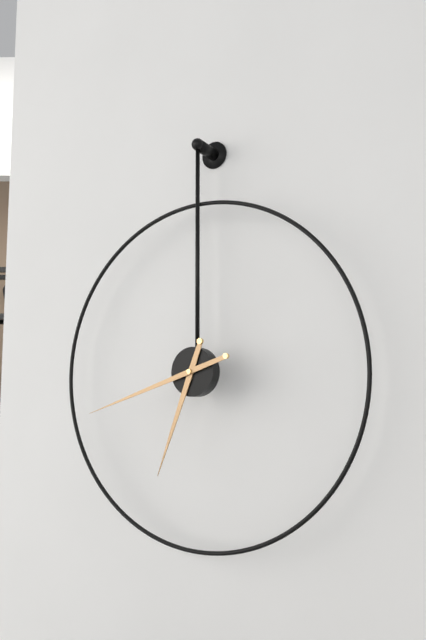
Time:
{"hour": 6, "minute": 42}
